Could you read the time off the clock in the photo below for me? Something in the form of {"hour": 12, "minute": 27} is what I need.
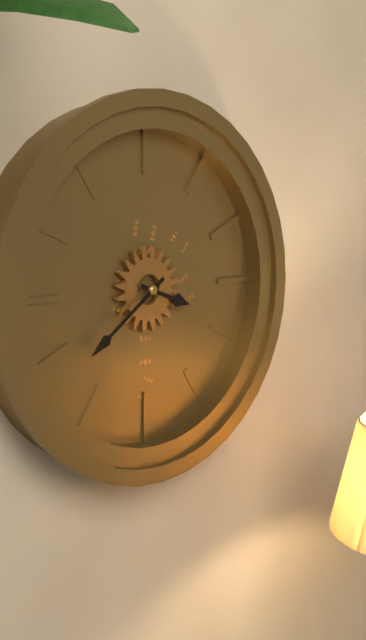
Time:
{"hour": 3, "minute": 39}
